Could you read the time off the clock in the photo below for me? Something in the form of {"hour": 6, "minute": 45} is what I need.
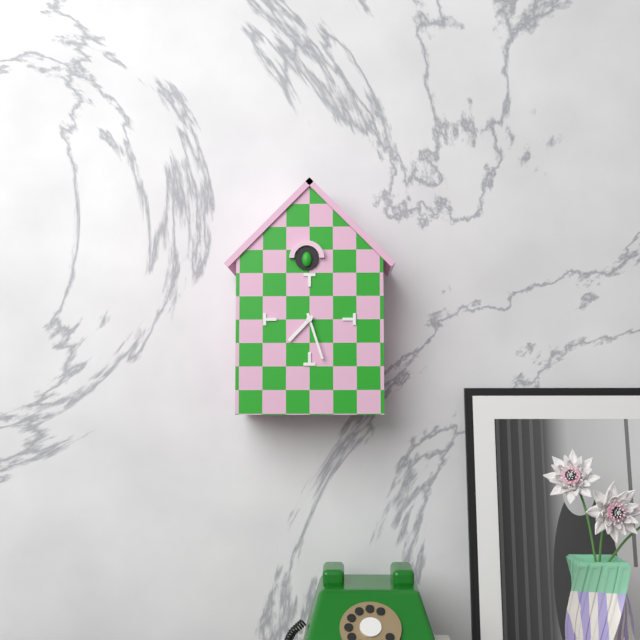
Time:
{"hour": 7, "minute": 27}
